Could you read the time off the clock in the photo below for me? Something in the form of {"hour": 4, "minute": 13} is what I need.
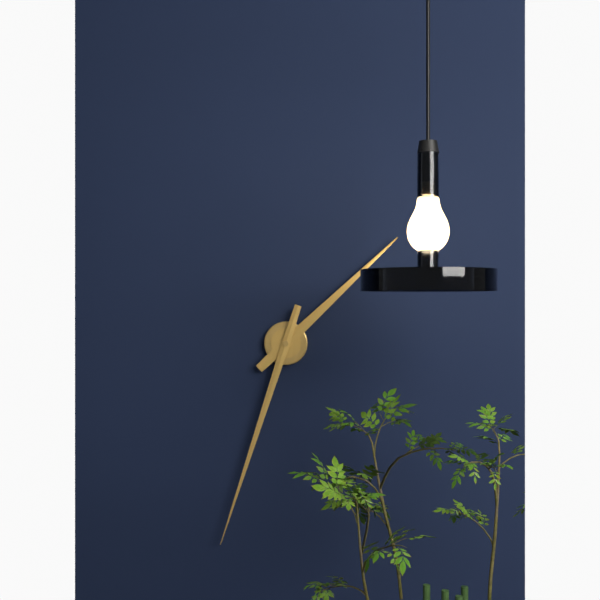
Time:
{"hour": 1, "minute": 33}
